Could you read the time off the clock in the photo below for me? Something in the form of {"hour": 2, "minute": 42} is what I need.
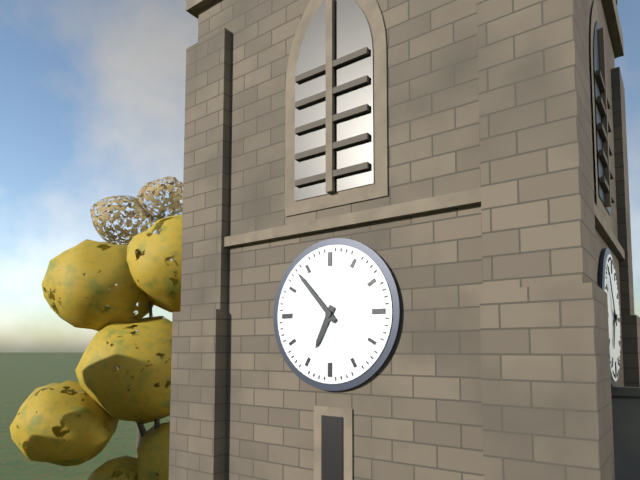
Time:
{"hour": 6, "minute": 53}
